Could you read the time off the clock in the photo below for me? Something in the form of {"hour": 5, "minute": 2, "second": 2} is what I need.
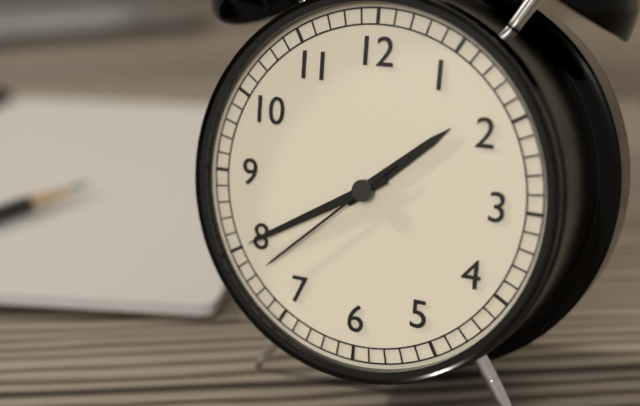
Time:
{"hour": 1, "minute": 40, "second": 38}
